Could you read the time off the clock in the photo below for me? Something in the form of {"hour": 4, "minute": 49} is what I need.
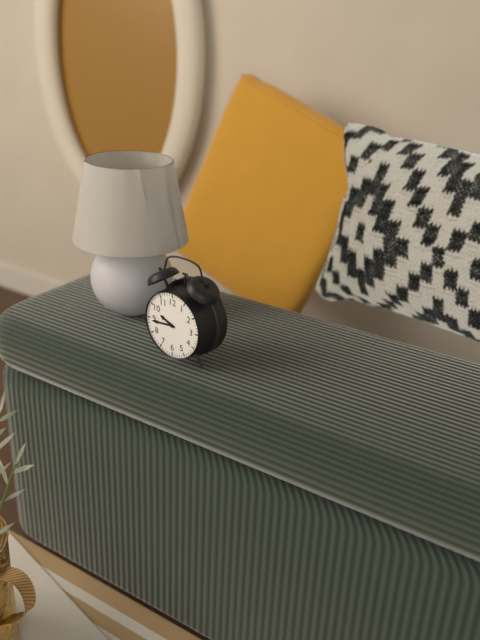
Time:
{"hour": 9, "minute": 44}
